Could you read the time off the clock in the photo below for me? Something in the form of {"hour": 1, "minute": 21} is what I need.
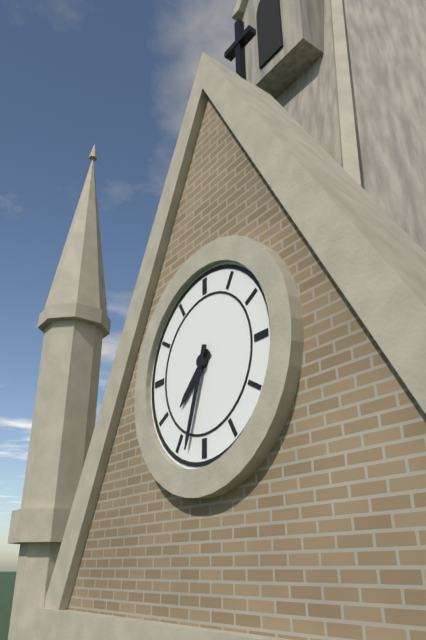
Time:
{"hour": 7, "minute": 33}
